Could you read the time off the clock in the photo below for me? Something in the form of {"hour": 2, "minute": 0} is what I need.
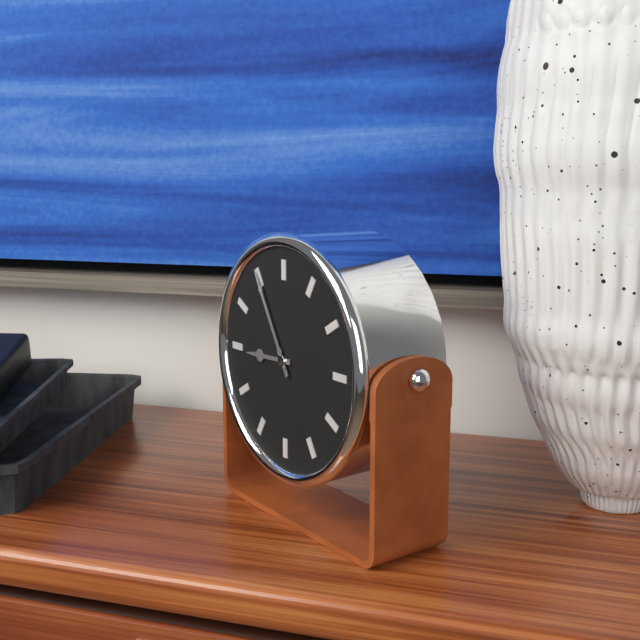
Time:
{"hour": 8, "minute": 55}
